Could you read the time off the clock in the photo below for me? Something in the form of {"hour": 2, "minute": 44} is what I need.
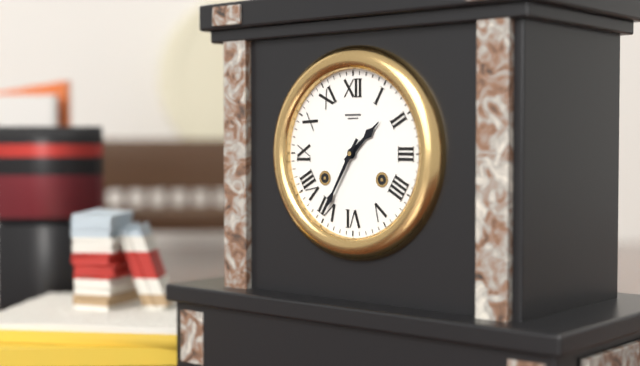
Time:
{"hour": 1, "minute": 35}
